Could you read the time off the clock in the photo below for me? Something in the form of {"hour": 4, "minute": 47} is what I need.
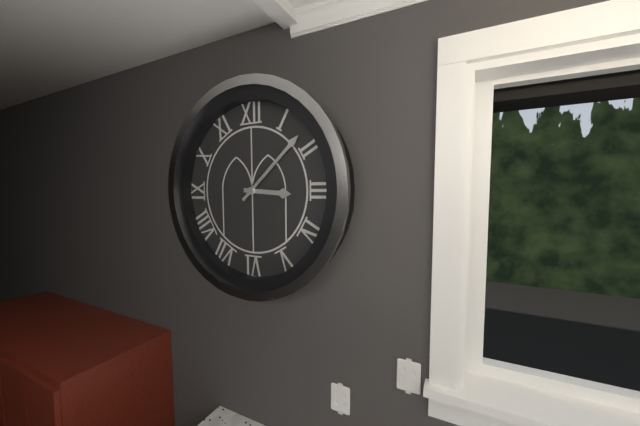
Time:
{"hour": 3, "minute": 8}
